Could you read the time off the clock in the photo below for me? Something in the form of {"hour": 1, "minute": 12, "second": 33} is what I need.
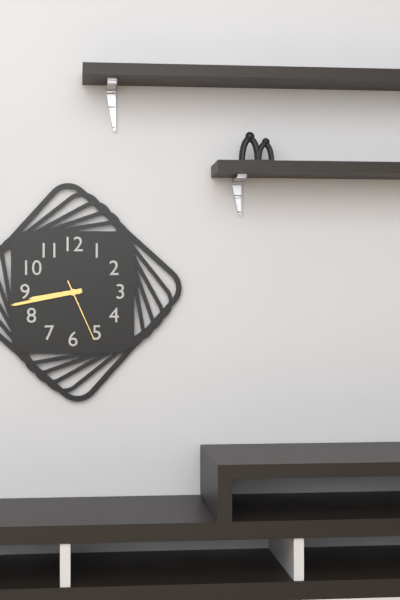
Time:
{"hour": 8, "minute": 43, "second": 26}
